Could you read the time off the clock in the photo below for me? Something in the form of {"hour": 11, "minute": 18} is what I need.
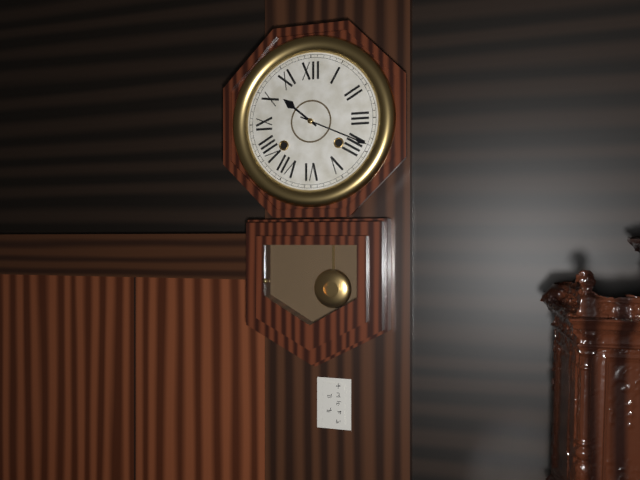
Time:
{"hour": 10, "minute": 19}
